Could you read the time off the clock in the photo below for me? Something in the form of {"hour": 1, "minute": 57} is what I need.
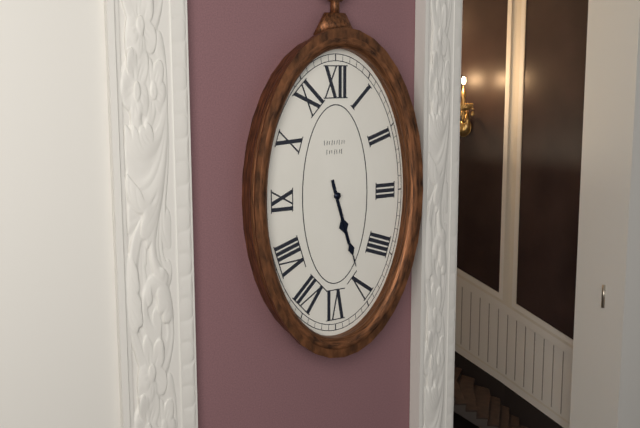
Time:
{"hour": 5, "minute": 27}
